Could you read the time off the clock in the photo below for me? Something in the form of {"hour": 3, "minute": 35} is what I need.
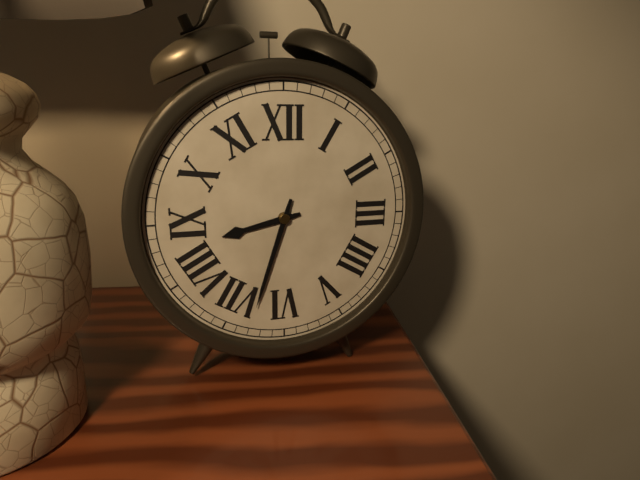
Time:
{"hour": 8, "minute": 33}
